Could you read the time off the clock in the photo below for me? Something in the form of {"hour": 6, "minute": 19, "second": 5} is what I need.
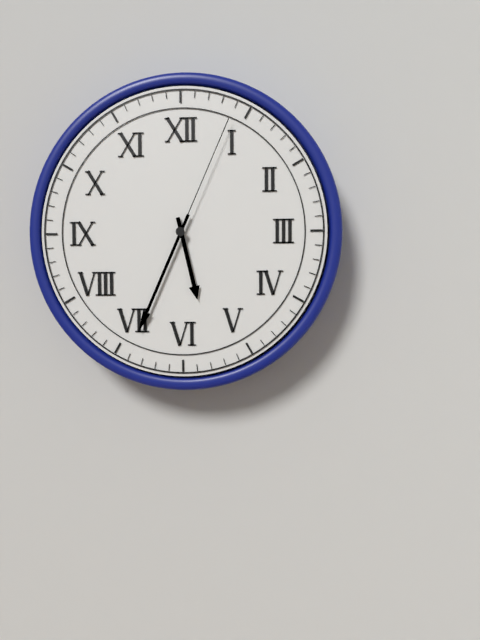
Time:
{"hour": 5, "minute": 34, "second": 4}
